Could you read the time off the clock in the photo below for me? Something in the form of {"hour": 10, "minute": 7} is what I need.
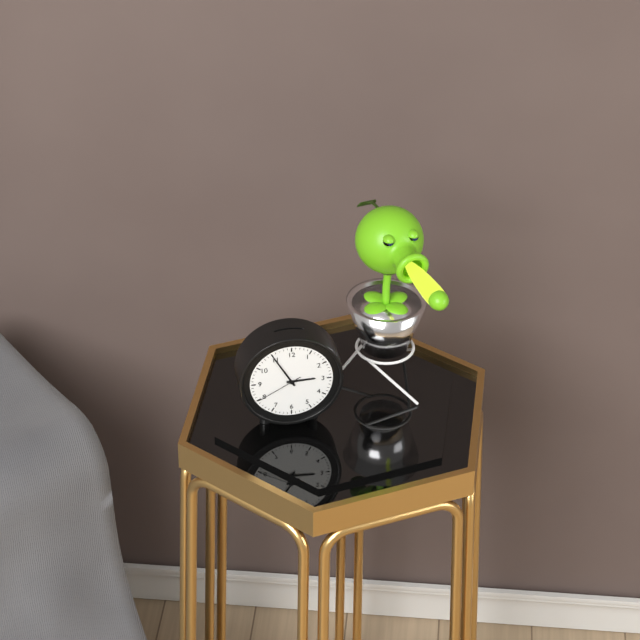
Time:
{"hour": 2, "minute": 55}
